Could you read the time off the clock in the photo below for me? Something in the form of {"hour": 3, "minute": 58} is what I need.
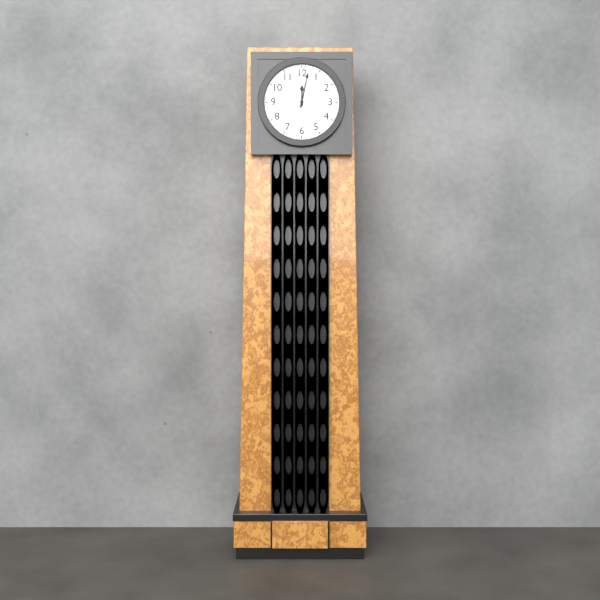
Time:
{"hour": 12, "minute": 2}
